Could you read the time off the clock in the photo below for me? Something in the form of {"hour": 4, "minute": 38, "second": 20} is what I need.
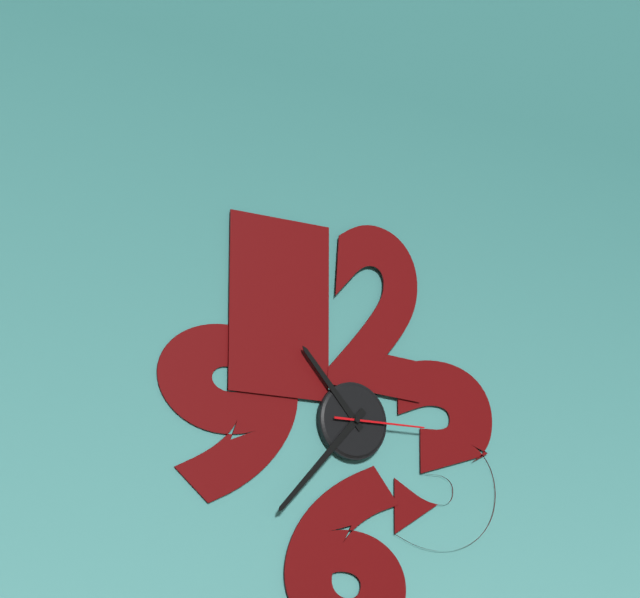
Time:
{"hour": 10, "minute": 37, "second": 15}
